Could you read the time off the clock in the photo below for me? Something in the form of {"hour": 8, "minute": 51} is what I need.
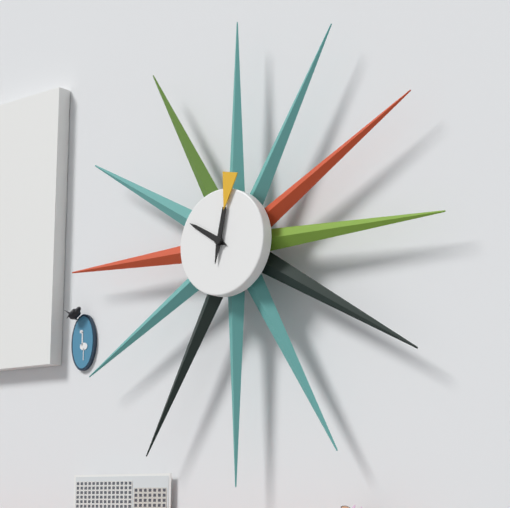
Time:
{"hour": 10, "minute": 2}
